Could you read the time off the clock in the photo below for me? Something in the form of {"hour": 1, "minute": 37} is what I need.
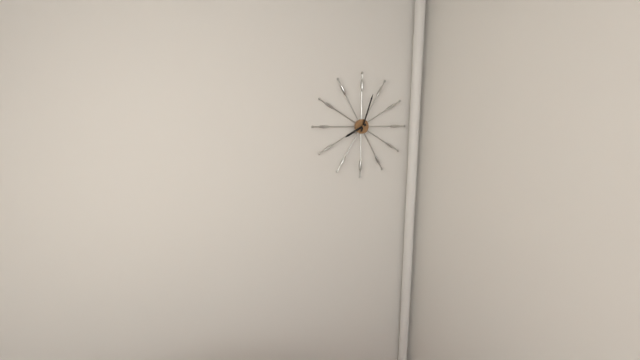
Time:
{"hour": 8, "minute": 3}
